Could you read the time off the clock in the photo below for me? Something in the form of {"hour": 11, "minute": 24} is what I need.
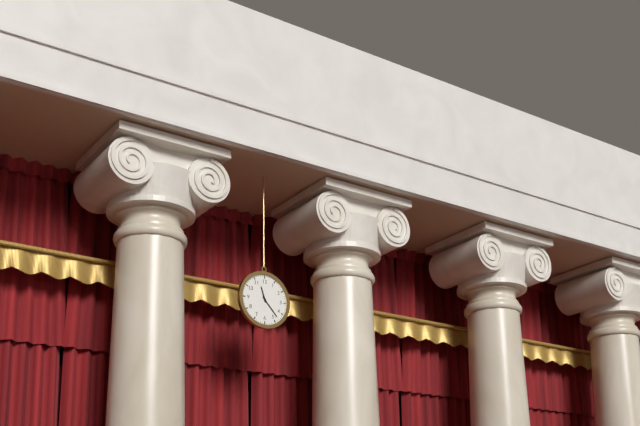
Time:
{"hour": 11, "minute": 23}
